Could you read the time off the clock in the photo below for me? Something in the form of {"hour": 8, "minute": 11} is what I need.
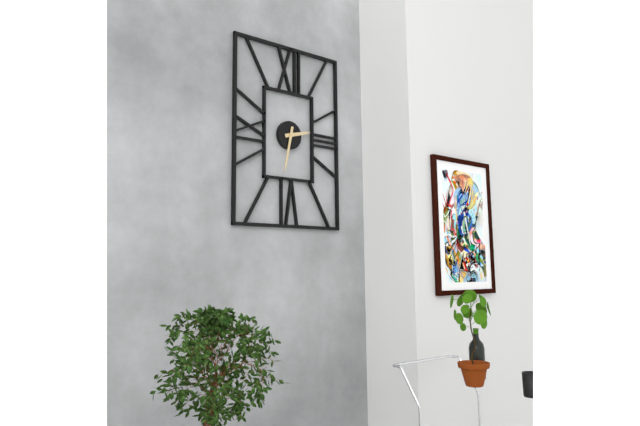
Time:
{"hour": 2, "minute": 32}
